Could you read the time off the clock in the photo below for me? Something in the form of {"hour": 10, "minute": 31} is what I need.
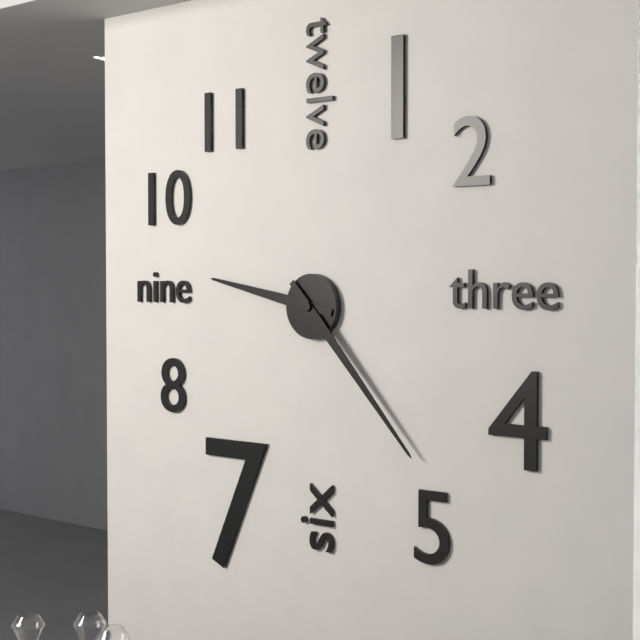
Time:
{"hour": 9, "minute": 23}
